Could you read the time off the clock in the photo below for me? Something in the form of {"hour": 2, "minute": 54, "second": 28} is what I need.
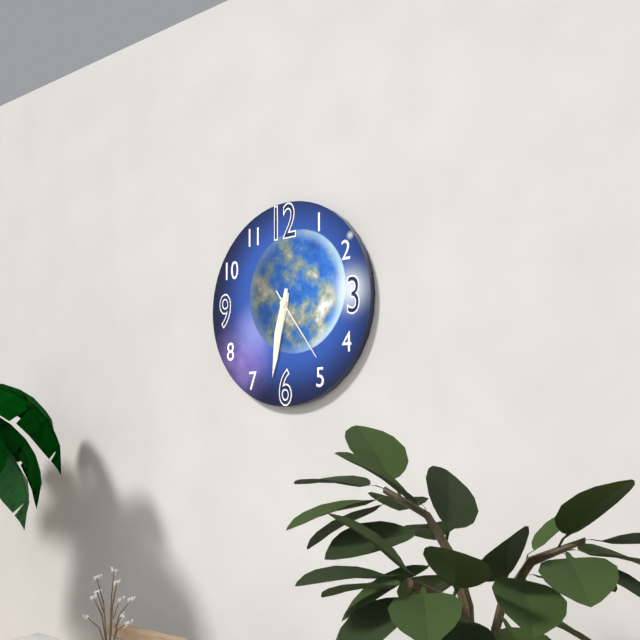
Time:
{"hour": 6, "minute": 32, "second": 24}
